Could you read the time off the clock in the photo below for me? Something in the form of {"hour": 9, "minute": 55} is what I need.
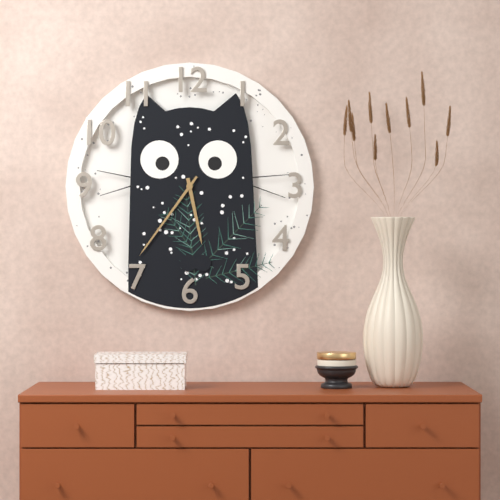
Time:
{"hour": 5, "minute": 36}
